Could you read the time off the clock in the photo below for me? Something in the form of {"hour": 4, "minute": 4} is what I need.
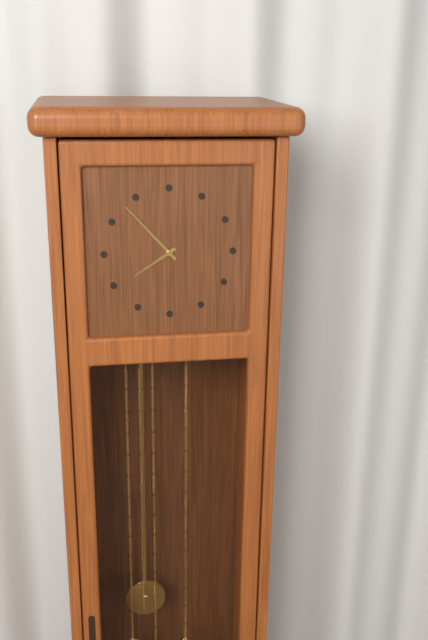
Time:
{"hour": 7, "minute": 53}
